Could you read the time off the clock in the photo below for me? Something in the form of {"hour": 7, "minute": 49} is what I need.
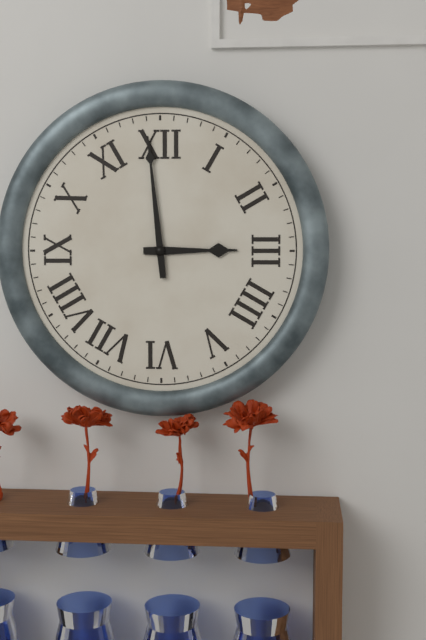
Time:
{"hour": 2, "minute": 59}
